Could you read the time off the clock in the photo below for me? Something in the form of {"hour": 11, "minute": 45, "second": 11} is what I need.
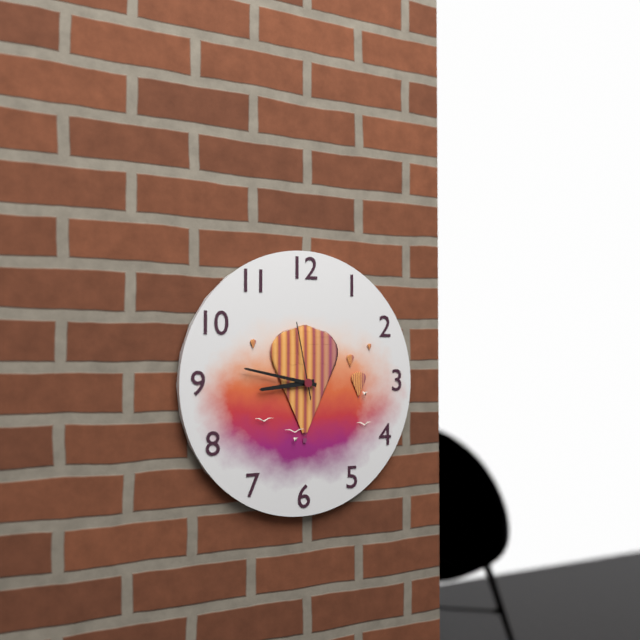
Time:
{"hour": 8, "minute": 47, "second": 58}
